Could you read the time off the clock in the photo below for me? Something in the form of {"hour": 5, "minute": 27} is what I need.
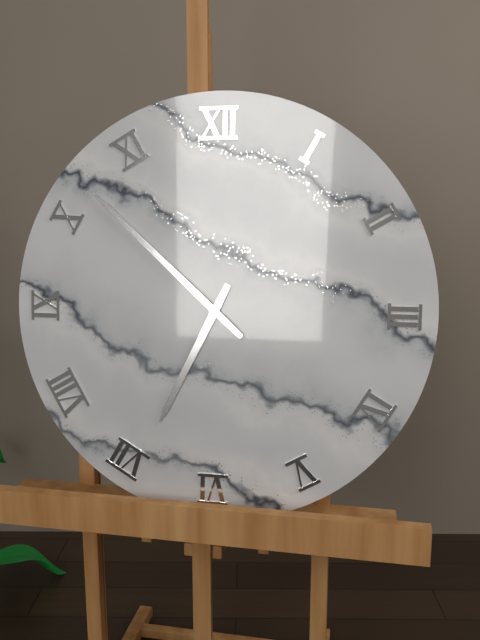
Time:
{"hour": 6, "minute": 52}
